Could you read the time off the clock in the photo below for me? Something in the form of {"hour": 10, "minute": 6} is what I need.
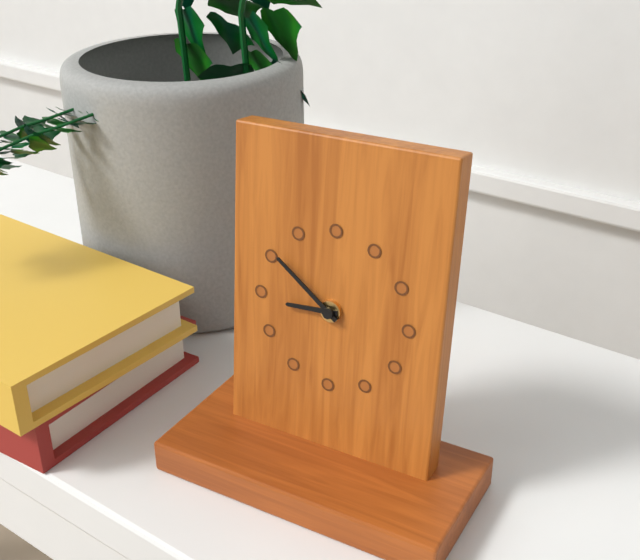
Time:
{"hour": 8, "minute": 51}
